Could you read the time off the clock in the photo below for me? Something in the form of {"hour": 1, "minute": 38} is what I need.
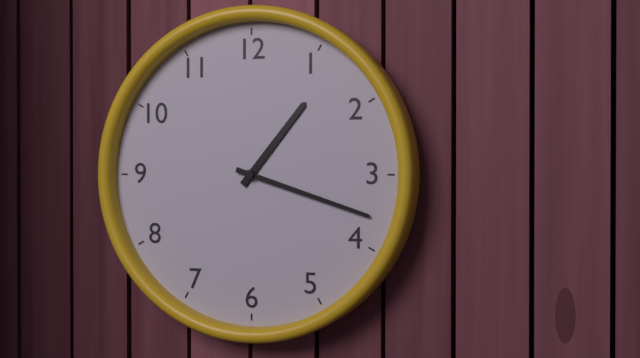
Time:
{"hour": 1, "minute": 18}
